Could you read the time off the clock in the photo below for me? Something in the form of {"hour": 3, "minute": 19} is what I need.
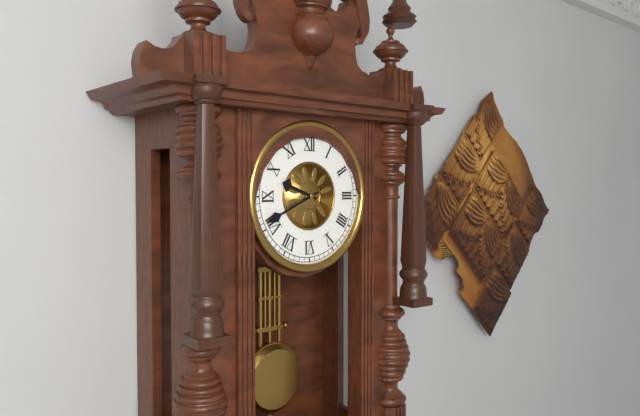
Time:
{"hour": 9, "minute": 41}
